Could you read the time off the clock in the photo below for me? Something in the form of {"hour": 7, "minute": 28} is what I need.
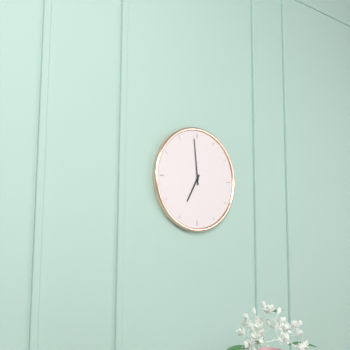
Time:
{"hour": 6, "minute": 59}
